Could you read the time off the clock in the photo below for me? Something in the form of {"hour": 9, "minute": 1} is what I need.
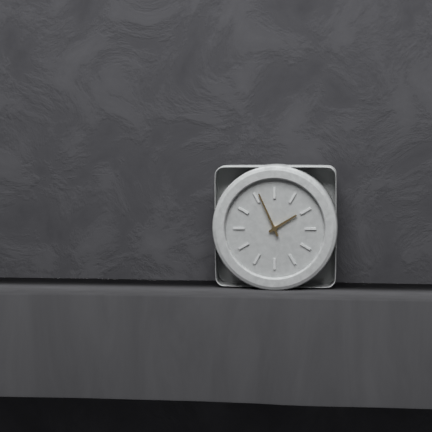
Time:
{"hour": 1, "minute": 56}
